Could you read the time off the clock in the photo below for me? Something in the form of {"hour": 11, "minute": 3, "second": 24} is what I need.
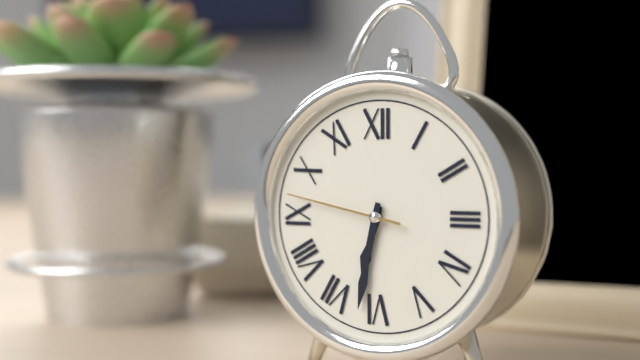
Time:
{"hour": 6, "minute": 32, "second": 47}
